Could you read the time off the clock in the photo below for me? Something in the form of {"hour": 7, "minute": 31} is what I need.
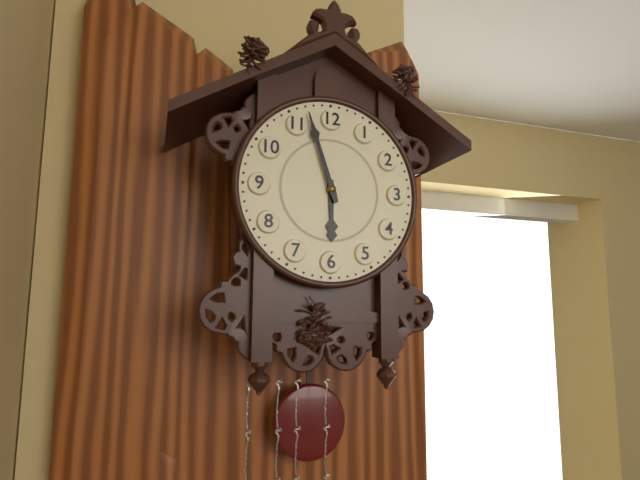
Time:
{"hour": 5, "minute": 57}
